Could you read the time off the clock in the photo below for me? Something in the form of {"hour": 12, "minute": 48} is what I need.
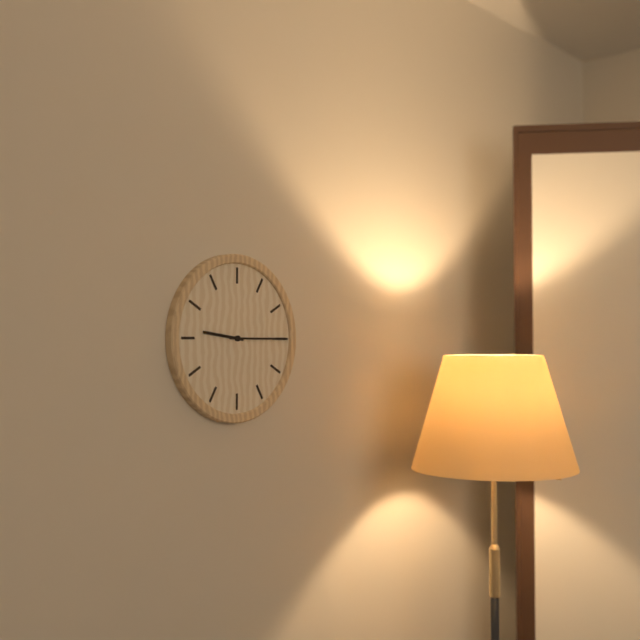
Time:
{"hour": 9, "minute": 15}
